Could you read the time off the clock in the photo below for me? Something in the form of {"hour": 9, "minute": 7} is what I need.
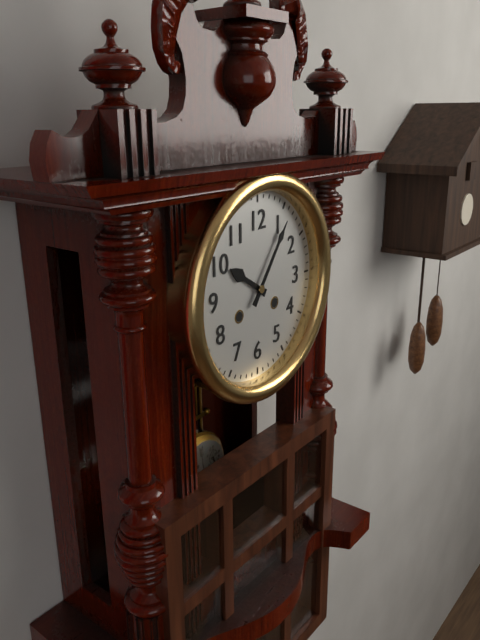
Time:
{"hour": 10, "minute": 6}
